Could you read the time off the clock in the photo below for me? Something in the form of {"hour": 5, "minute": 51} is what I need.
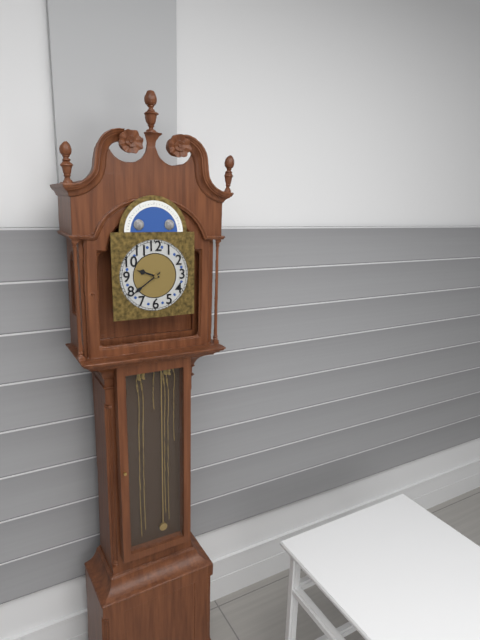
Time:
{"hour": 9, "minute": 39}
